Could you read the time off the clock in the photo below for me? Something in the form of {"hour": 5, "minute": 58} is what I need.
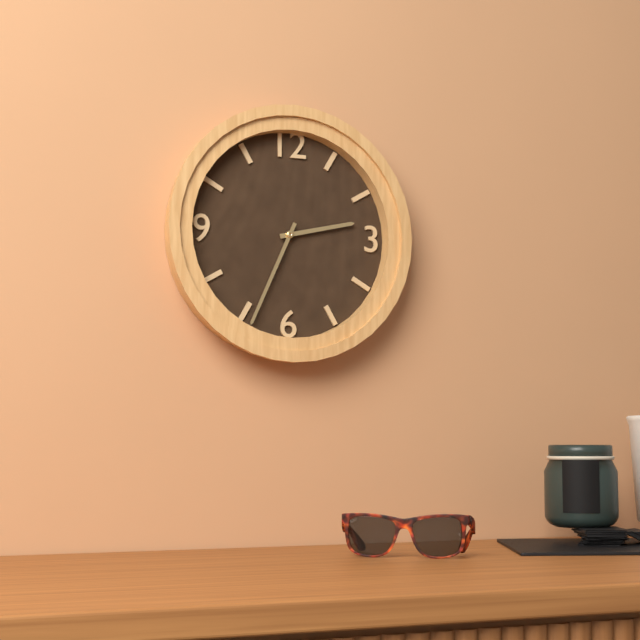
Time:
{"hour": 2, "minute": 34}
